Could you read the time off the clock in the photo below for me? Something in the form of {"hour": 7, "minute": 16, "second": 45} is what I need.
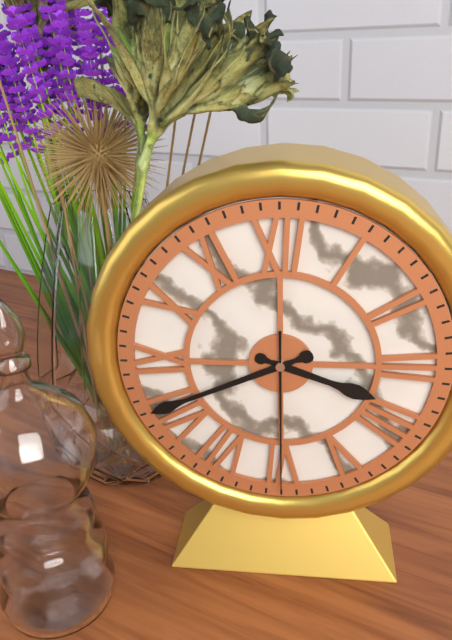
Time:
{"hour": 3, "minute": 41, "second": 30}
